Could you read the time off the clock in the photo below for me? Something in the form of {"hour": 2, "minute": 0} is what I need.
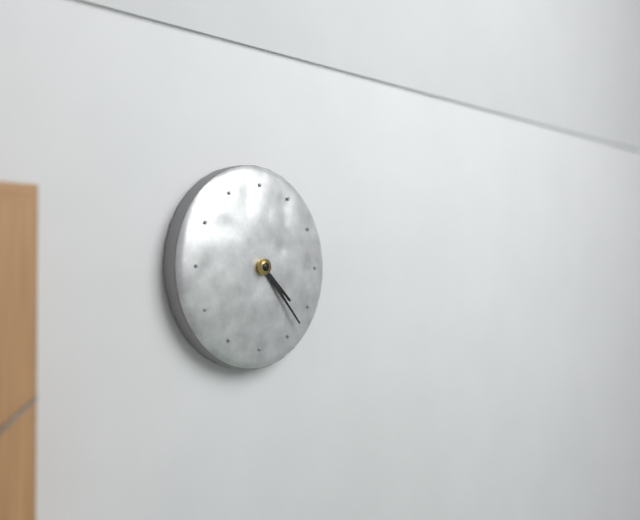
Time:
{"hour": 4, "minute": 23}
